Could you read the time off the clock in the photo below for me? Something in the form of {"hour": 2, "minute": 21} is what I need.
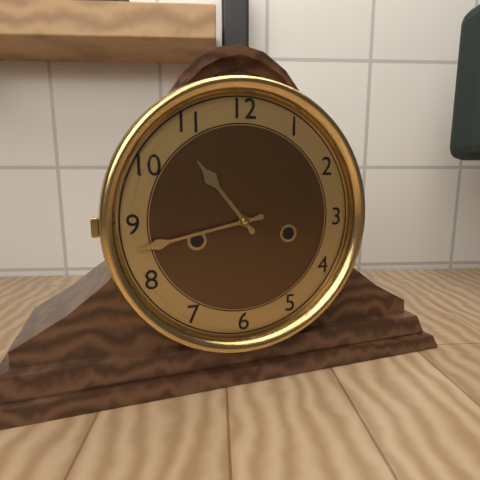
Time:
{"hour": 10, "minute": 43}
